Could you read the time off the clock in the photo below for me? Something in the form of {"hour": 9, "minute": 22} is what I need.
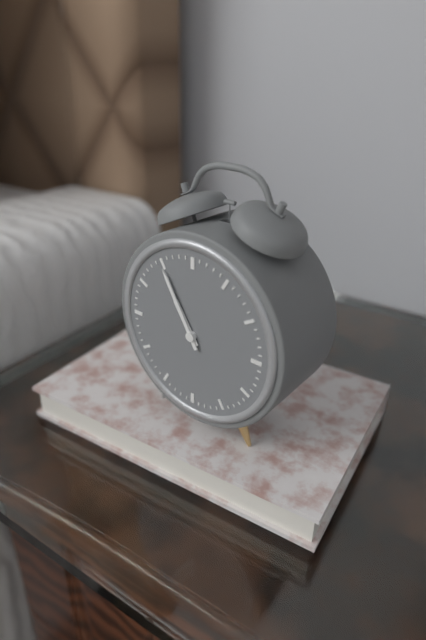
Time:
{"hour": 10, "minute": 55}
